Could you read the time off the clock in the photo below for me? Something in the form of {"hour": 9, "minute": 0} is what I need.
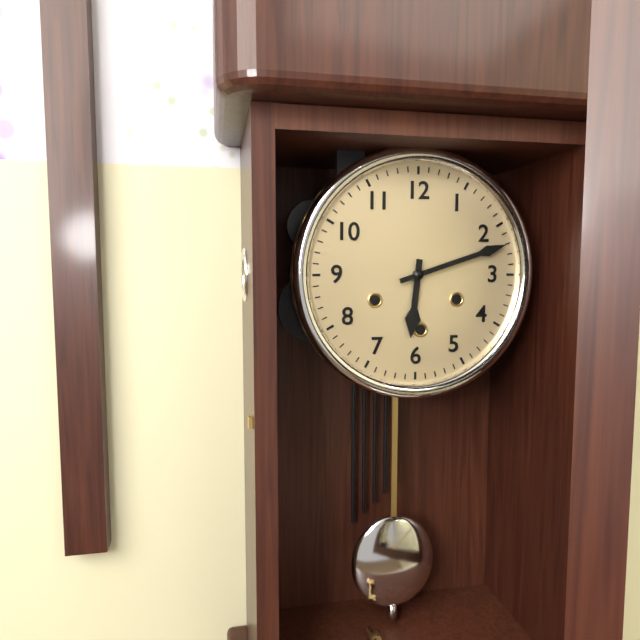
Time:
{"hour": 6, "minute": 12}
